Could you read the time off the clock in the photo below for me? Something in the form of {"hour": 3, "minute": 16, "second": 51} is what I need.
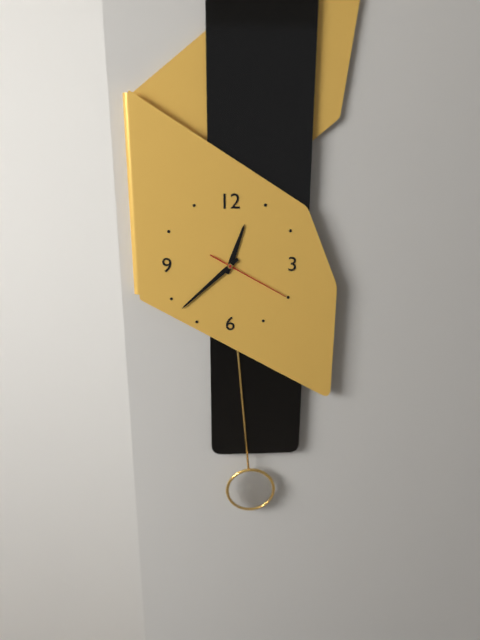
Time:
{"hour": 12, "minute": 38, "second": 20}
